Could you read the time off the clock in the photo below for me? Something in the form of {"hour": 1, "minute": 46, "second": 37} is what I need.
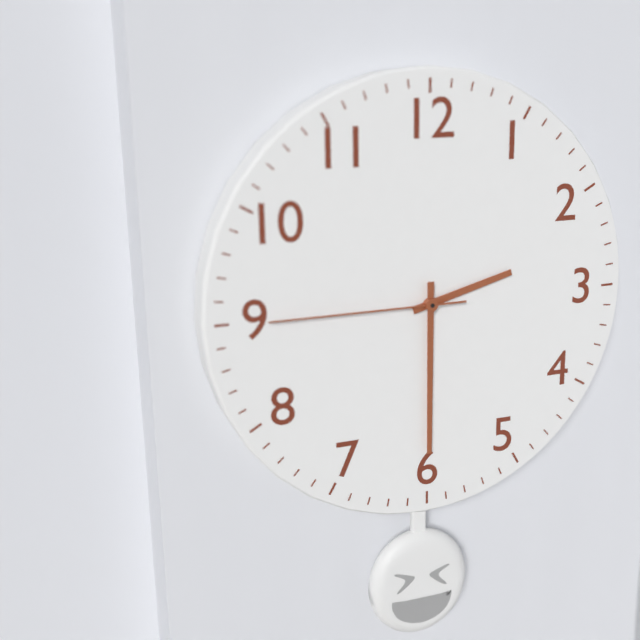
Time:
{"hour": 2, "minute": 30, "second": 45}
